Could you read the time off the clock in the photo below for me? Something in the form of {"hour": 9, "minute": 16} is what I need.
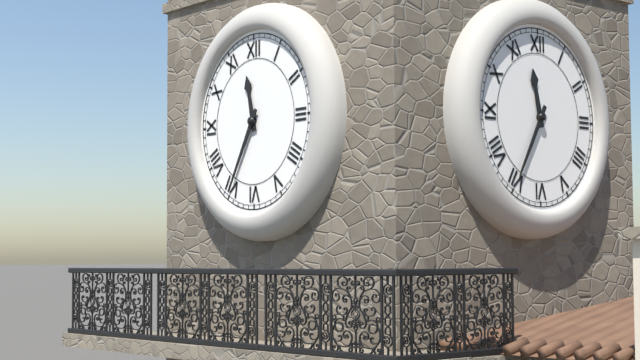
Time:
{"hour": 11, "minute": 35}
